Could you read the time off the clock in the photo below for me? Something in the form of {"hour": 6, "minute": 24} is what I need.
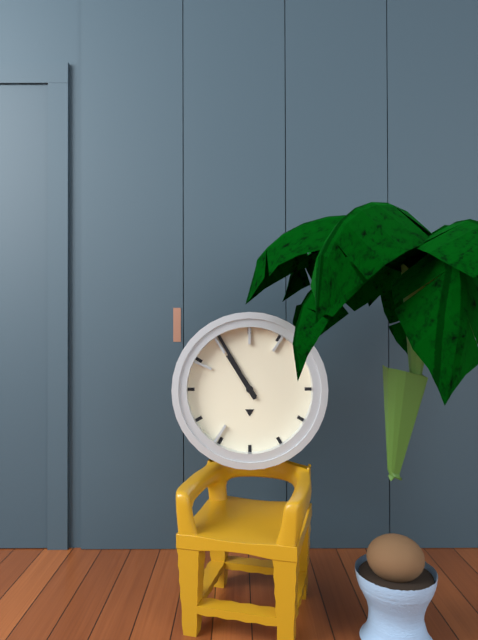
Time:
{"hour": 10, "minute": 55}
